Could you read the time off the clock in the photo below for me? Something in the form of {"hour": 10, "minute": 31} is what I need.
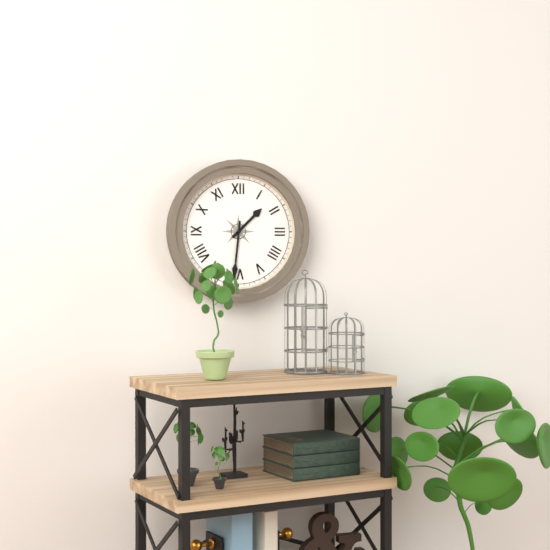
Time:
{"hour": 1, "minute": 31}
